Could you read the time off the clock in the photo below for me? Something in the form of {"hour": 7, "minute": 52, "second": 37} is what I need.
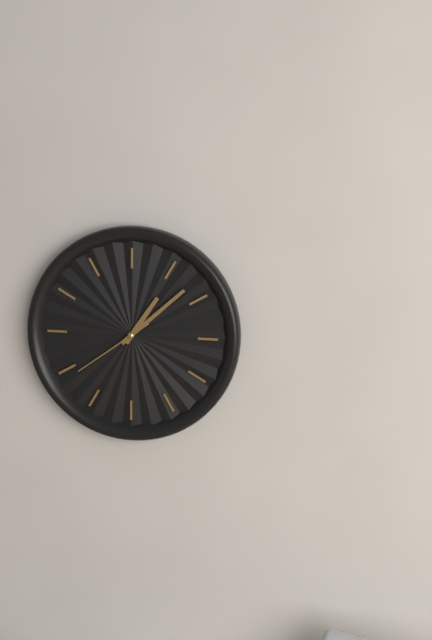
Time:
{"hour": 1, "minute": 8, "second": 39}
